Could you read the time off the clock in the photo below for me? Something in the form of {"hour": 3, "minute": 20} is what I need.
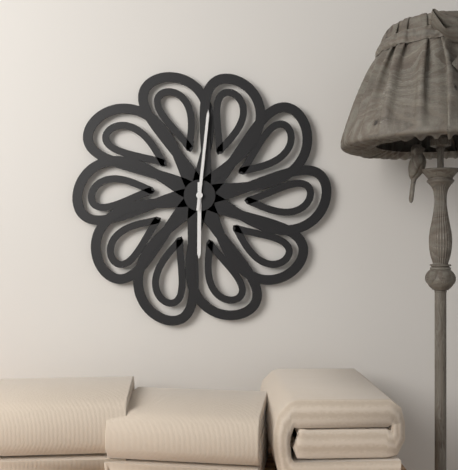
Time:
{"hour": 6, "minute": 1}
